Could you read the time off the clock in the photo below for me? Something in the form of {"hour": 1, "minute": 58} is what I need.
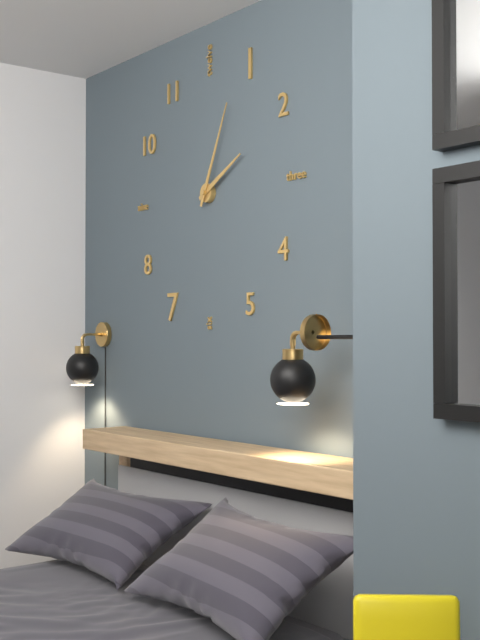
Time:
{"hour": 2, "minute": 4}
